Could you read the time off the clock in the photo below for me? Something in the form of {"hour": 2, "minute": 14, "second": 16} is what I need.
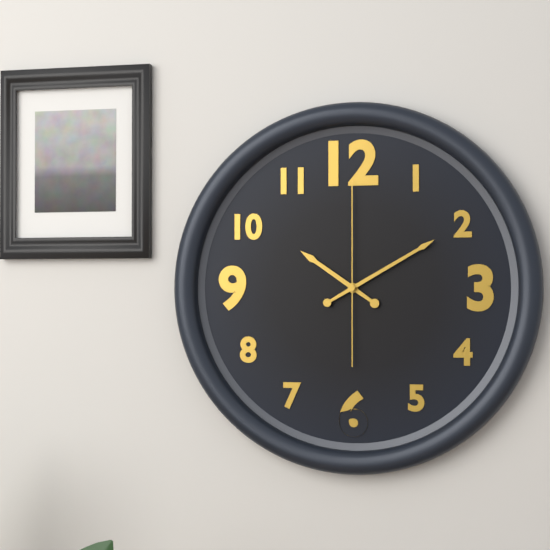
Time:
{"hour": 10, "minute": 10, "second": 0}
